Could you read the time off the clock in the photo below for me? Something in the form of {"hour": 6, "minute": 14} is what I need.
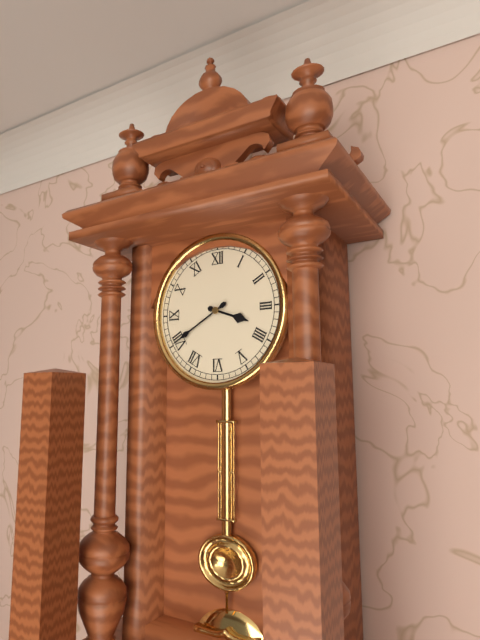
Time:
{"hour": 3, "minute": 40}
